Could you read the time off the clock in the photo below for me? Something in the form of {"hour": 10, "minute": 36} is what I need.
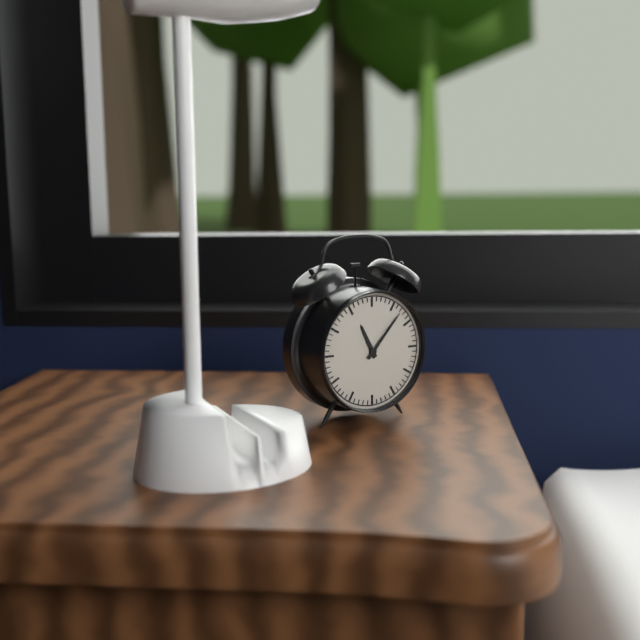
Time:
{"hour": 11, "minute": 7}
